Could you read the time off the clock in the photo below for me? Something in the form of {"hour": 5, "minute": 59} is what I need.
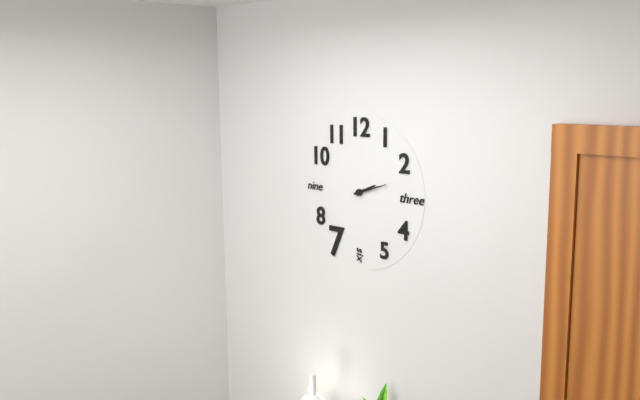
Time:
{"hour": 2, "minute": 12}
